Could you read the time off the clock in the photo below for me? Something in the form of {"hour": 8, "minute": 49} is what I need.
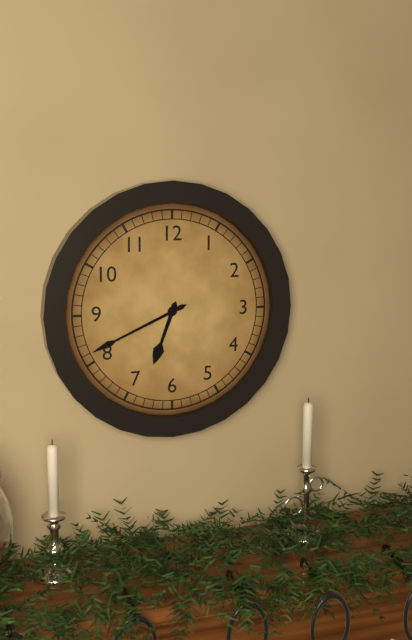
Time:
{"hour": 6, "minute": 41}
